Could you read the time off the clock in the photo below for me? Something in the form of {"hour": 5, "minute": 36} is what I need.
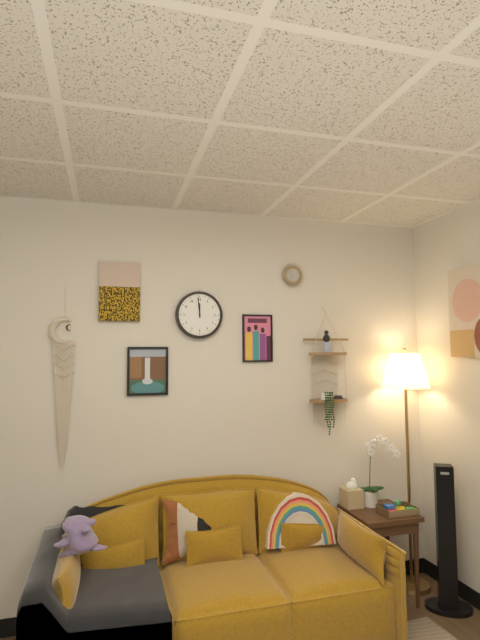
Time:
{"hour": 11, "minute": 59}
